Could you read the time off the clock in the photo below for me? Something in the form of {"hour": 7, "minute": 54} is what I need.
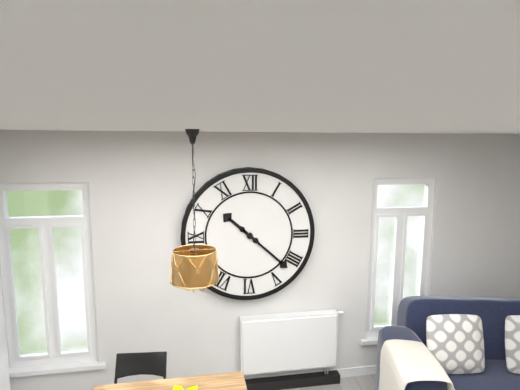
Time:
{"hour": 10, "minute": 22}
